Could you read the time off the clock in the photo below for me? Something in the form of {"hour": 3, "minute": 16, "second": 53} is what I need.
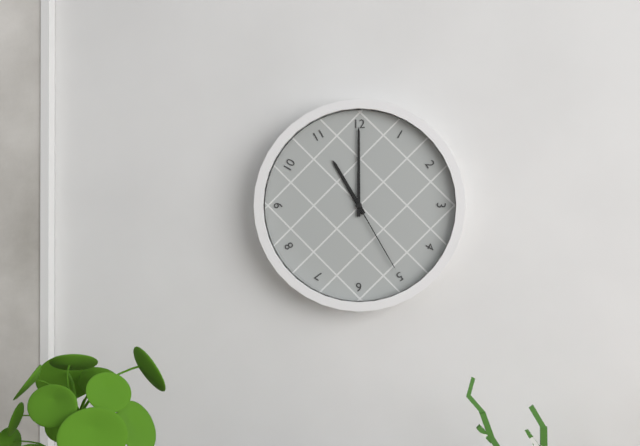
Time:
{"hour": 11, "minute": 0, "second": 25}
